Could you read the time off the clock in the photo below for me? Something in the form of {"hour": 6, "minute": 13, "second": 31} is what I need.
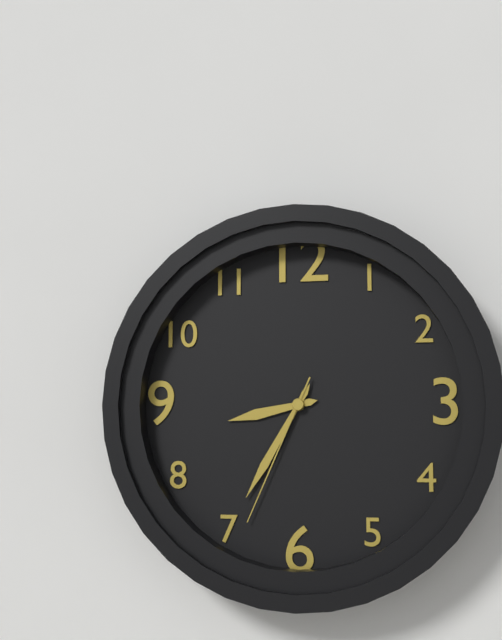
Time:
{"hour": 8, "minute": 35, "second": 34}
